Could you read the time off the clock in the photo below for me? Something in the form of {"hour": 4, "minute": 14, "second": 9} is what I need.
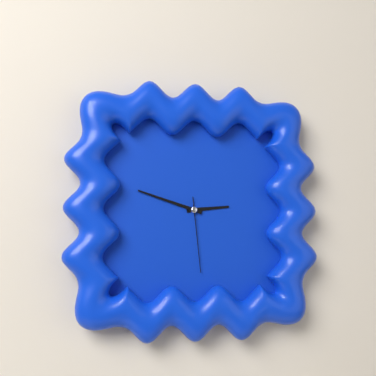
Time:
{"hour": 2, "minute": 48, "second": 29}
